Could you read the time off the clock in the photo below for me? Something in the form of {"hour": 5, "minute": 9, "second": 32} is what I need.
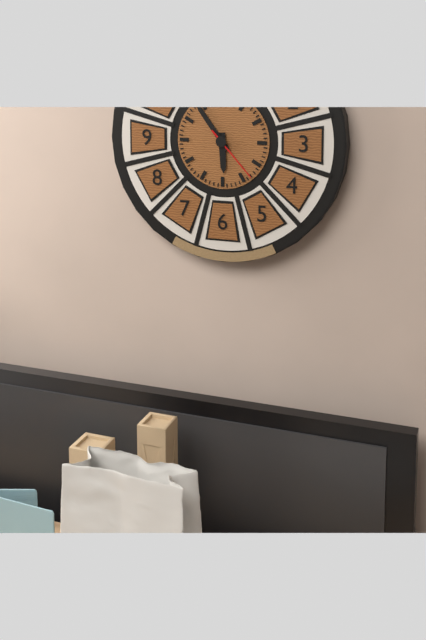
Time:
{"hour": 5, "minute": 54, "second": 23}
